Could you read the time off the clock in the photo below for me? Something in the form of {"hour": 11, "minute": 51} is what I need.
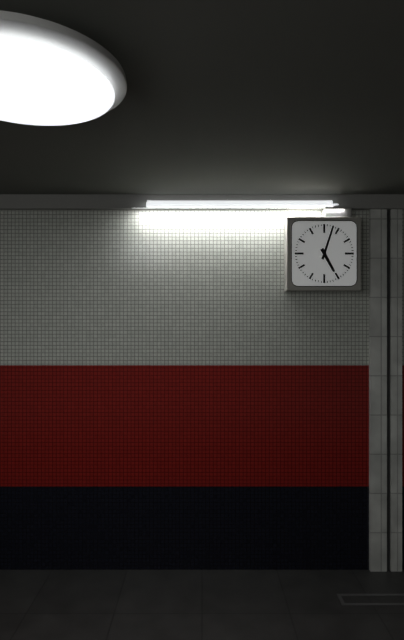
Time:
{"hour": 5, "minute": 3}
